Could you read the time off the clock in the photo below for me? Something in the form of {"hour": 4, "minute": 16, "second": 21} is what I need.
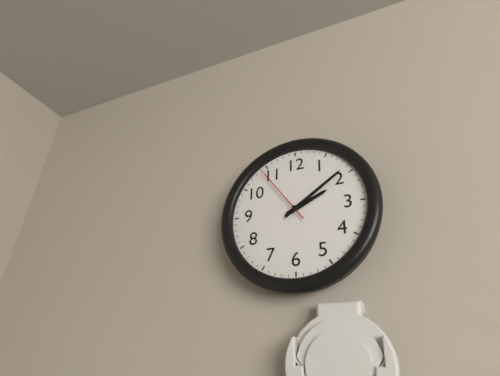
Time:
{"hour": 2, "minute": 9, "second": 54}
